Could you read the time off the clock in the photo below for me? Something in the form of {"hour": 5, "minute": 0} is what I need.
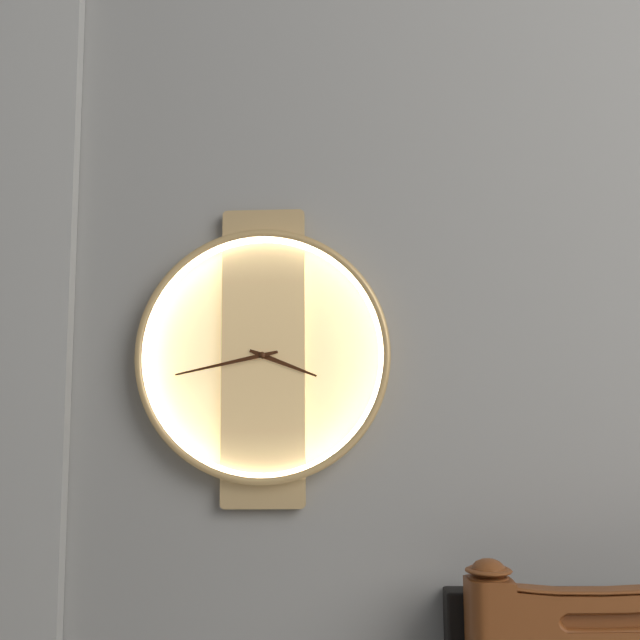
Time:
{"hour": 3, "minute": 43}
